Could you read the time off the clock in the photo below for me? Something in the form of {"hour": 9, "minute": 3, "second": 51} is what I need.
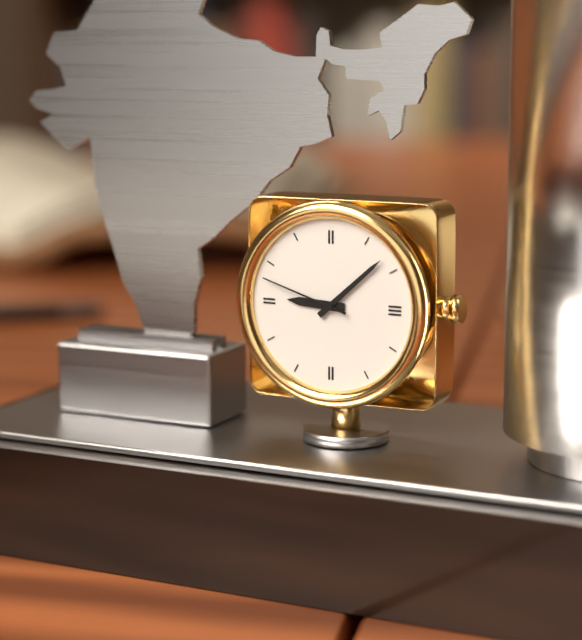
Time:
{"hour": 9, "minute": 8, "second": 48}
